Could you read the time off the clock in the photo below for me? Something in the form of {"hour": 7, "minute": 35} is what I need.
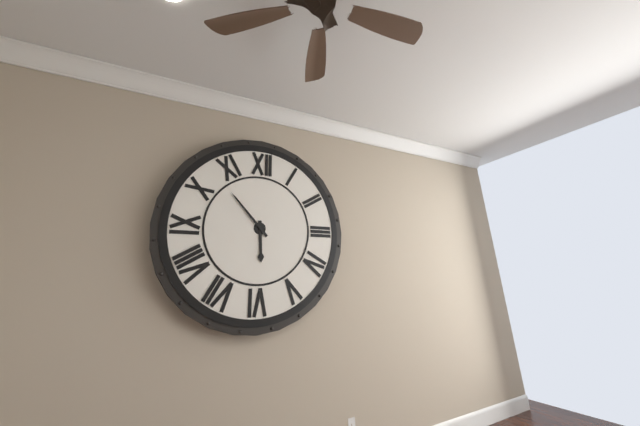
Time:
{"hour": 5, "minute": 53}
